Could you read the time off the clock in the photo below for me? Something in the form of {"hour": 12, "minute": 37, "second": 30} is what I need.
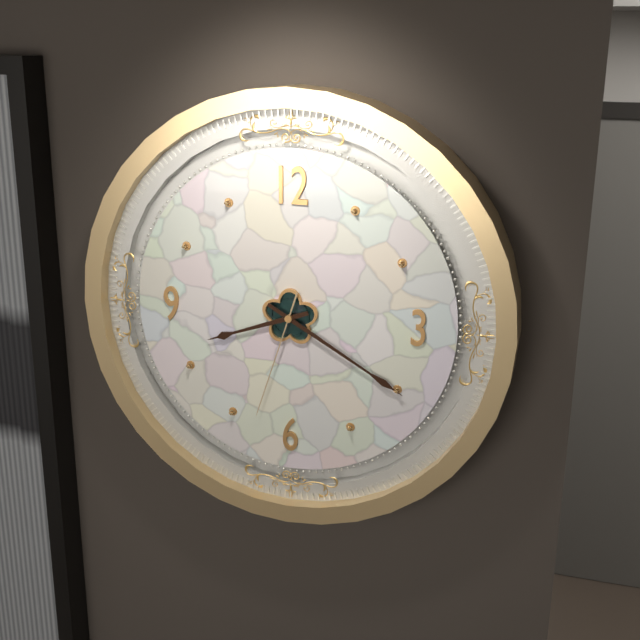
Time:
{"hour": 8, "minute": 20, "second": 33}
